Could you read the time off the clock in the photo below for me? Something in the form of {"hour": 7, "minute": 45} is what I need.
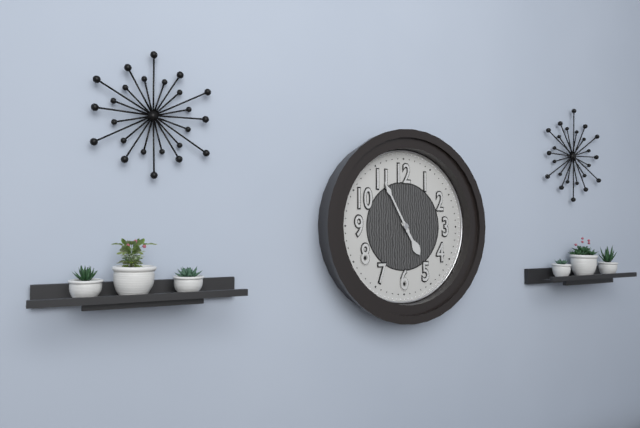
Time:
{"hour": 4, "minute": 55}
